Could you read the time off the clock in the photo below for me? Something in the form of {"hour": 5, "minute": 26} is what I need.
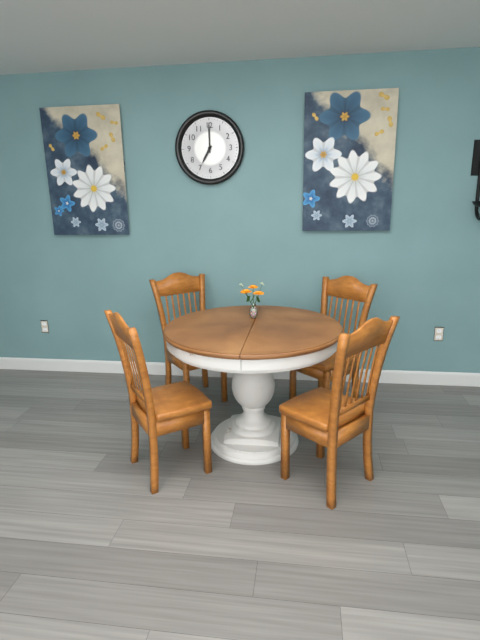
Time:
{"hour": 7, "minute": 0}
